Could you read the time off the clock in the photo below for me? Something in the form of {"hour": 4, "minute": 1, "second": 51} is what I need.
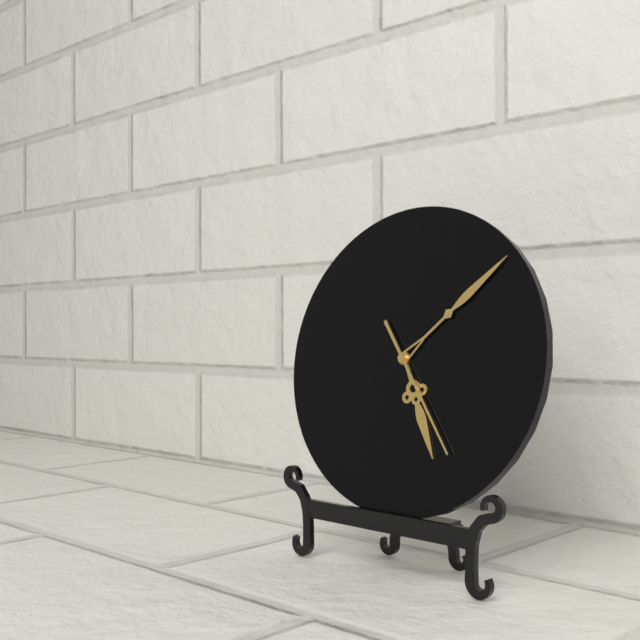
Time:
{"hour": 5, "minute": 8, "second": 24}
